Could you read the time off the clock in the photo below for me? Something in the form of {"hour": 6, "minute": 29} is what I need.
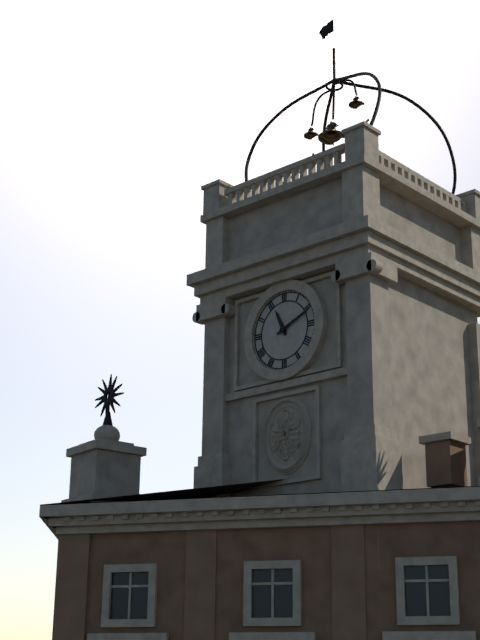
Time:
{"hour": 11, "minute": 11}
